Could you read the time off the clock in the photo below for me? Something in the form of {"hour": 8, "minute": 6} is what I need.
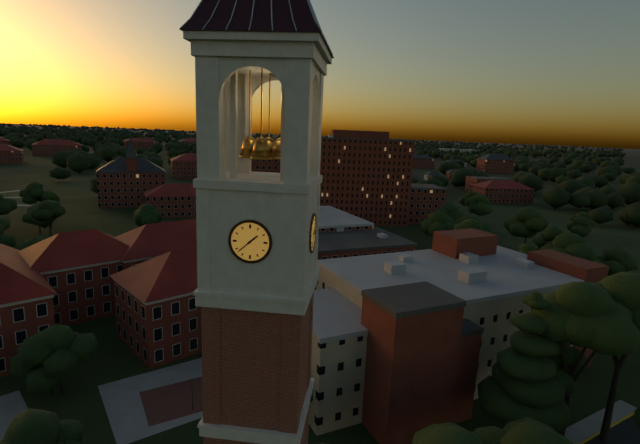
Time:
{"hour": 1, "minute": 38}
